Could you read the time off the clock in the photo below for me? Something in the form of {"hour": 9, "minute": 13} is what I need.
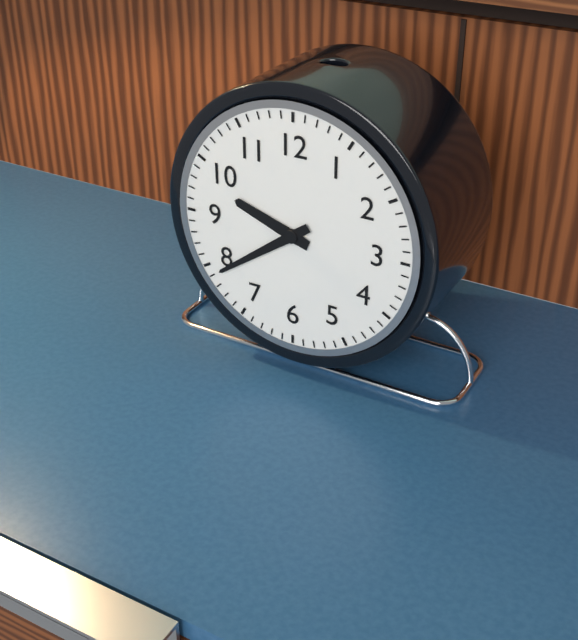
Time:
{"hour": 9, "minute": 39}
